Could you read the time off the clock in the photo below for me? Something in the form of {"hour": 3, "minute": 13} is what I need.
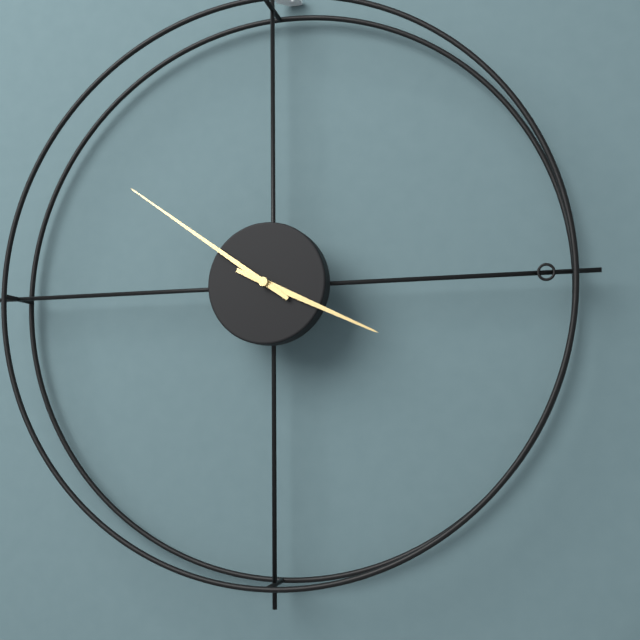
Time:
{"hour": 3, "minute": 51}
